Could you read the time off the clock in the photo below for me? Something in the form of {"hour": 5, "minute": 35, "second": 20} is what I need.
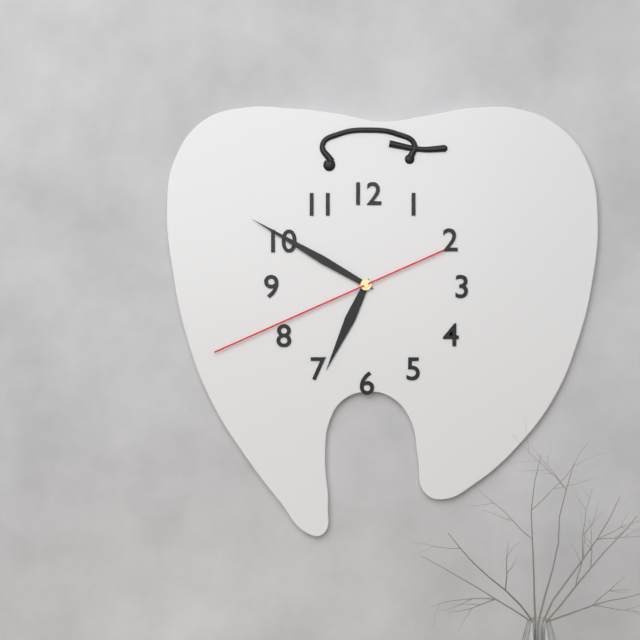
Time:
{"hour": 6, "minute": 50, "second": 41}
